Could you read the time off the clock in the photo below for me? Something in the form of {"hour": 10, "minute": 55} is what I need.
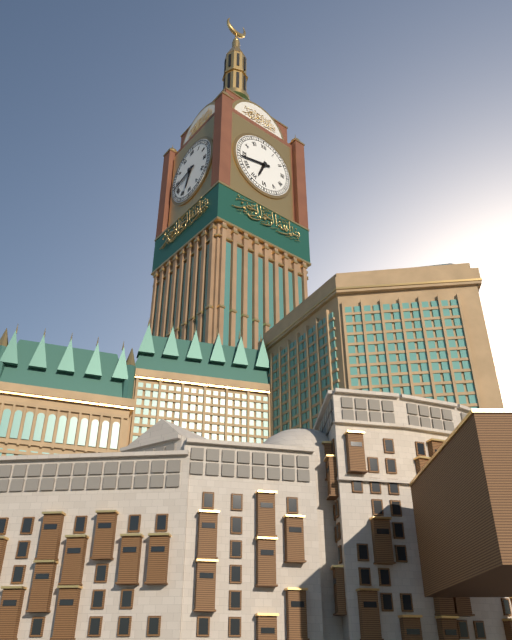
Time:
{"hour": 6, "minute": 43}
